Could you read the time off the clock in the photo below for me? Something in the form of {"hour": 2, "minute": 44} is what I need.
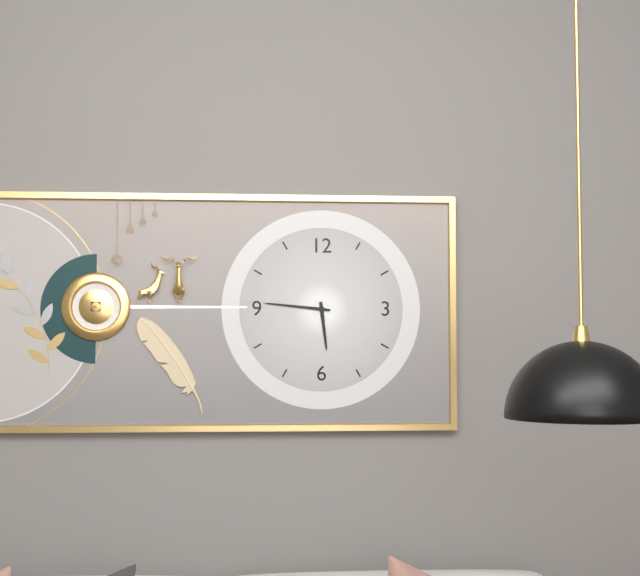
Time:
{"hour": 5, "minute": 46}
